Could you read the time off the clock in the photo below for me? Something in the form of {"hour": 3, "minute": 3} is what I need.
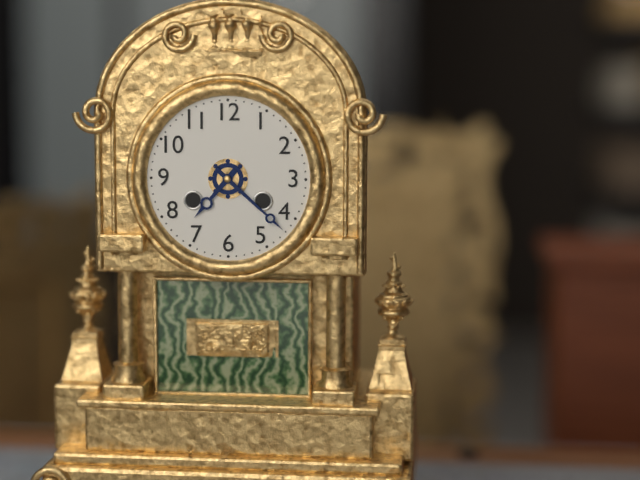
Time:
{"hour": 7, "minute": 22}
